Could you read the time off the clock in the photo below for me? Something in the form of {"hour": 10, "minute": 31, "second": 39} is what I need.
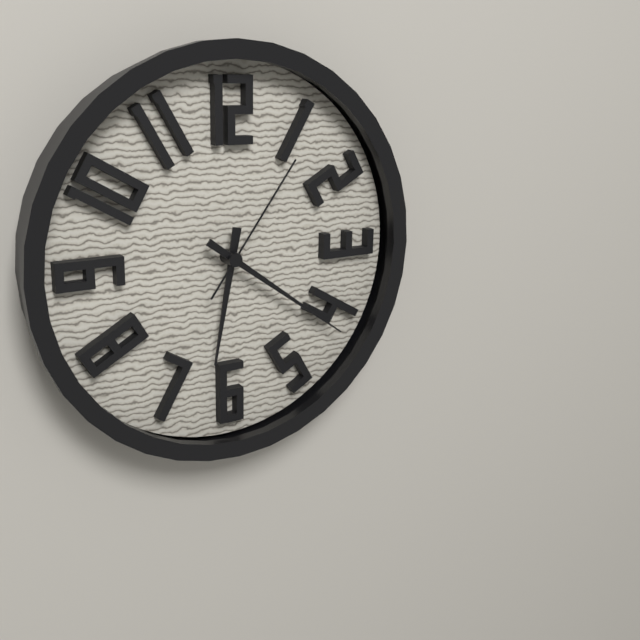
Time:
{"hour": 6, "minute": 21, "second": 6}
